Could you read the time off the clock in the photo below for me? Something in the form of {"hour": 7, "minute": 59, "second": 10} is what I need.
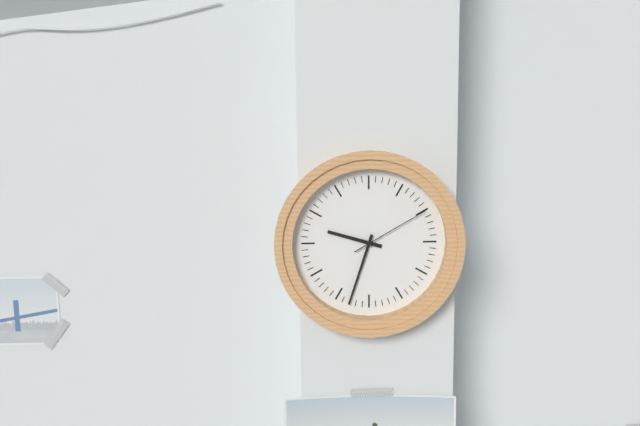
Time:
{"hour": 9, "minute": 33, "second": 10}
